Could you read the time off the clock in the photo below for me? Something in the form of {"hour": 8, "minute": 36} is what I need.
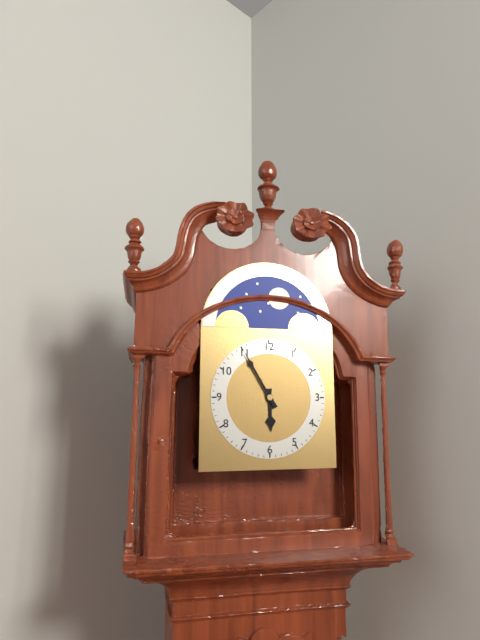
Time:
{"hour": 5, "minute": 55}
